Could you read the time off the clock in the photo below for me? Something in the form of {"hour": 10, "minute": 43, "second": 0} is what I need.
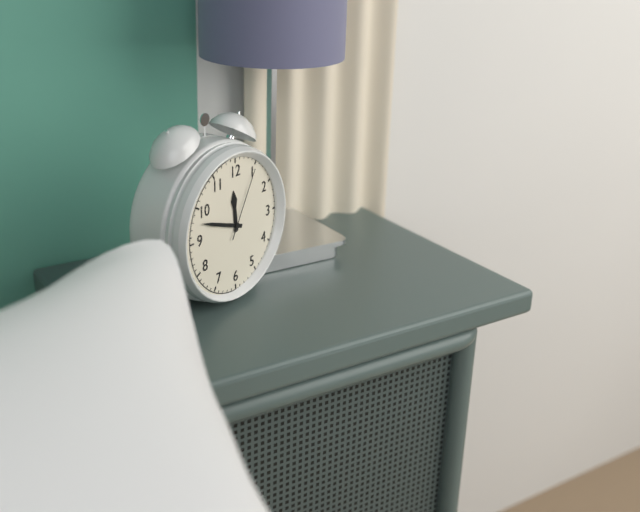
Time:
{"hour": 11, "minute": 48, "second": 5}
